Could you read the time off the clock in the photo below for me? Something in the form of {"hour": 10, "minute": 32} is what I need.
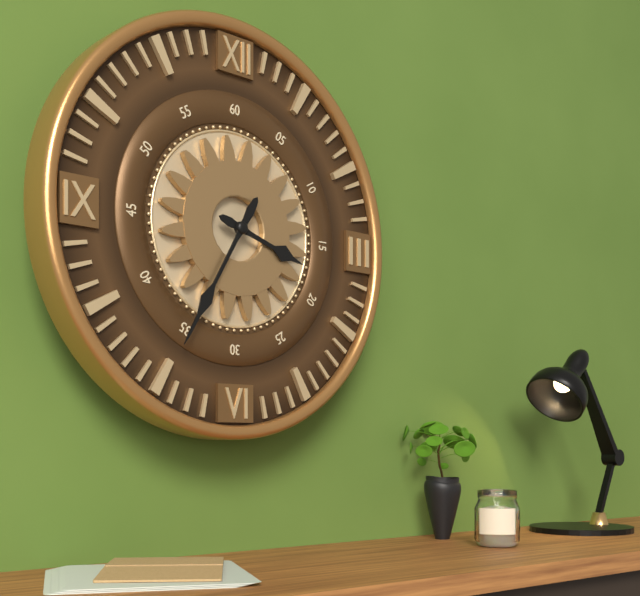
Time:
{"hour": 3, "minute": 35}
